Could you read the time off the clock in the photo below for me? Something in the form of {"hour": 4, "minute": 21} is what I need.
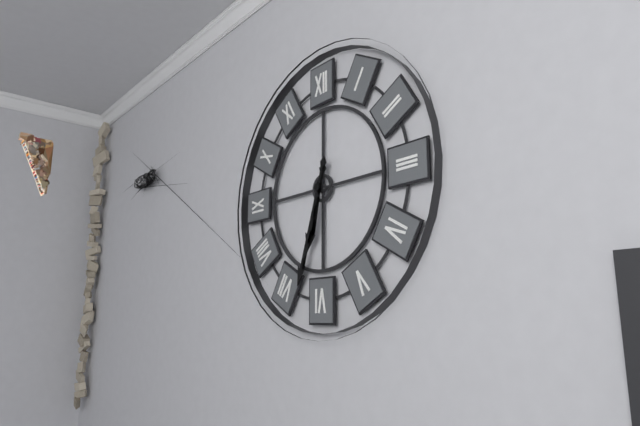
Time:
{"hour": 6, "minute": 33}
